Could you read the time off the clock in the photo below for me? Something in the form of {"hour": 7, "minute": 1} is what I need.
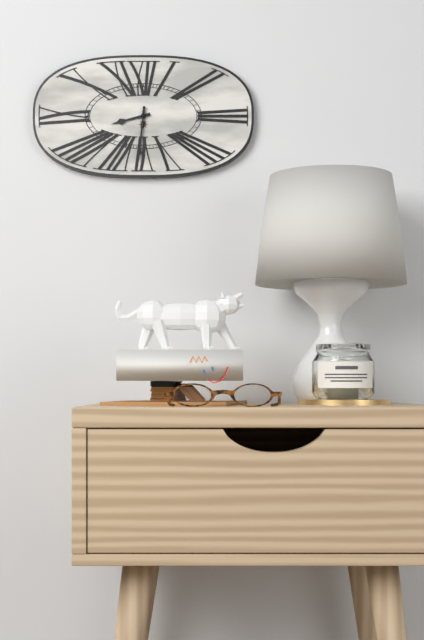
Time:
{"hour": 8, "minute": 31}
